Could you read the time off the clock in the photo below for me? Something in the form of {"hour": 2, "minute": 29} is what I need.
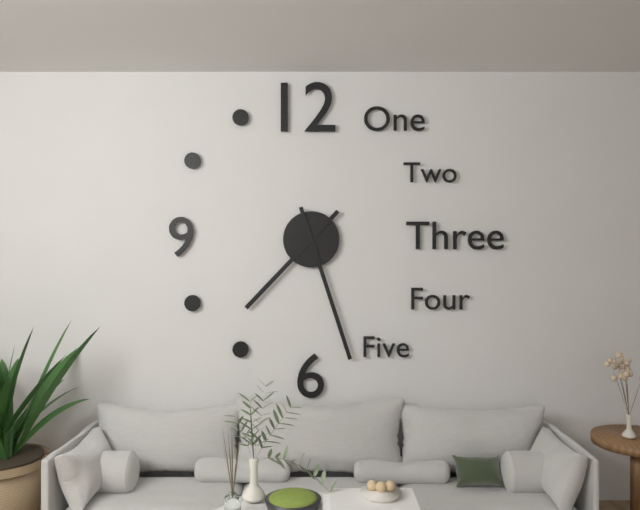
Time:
{"hour": 7, "minute": 27}
